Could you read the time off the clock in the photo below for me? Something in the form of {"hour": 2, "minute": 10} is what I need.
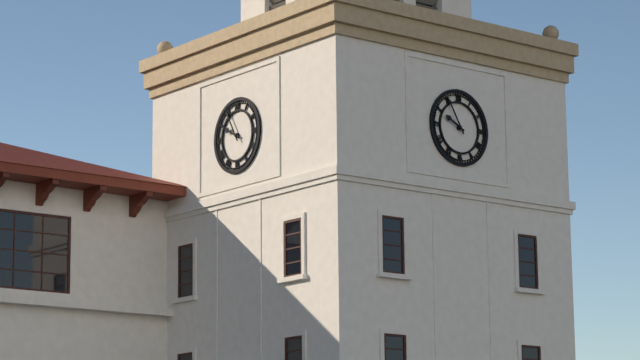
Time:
{"hour": 9, "minute": 55}
